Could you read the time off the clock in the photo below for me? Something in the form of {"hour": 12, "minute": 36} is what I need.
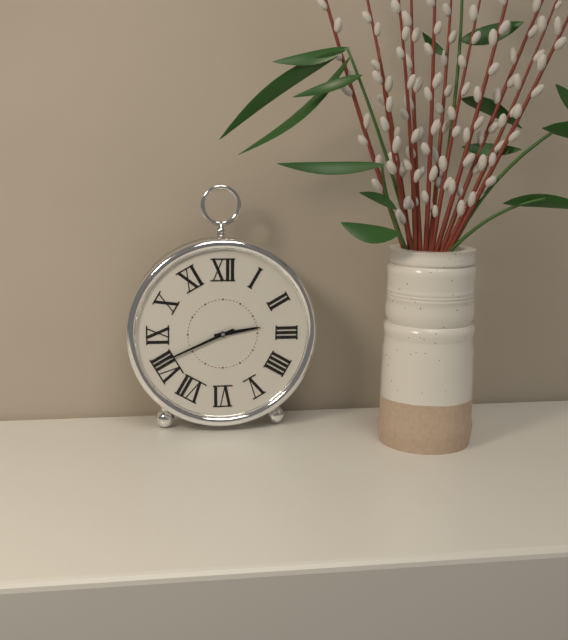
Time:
{"hour": 2, "minute": 41}
